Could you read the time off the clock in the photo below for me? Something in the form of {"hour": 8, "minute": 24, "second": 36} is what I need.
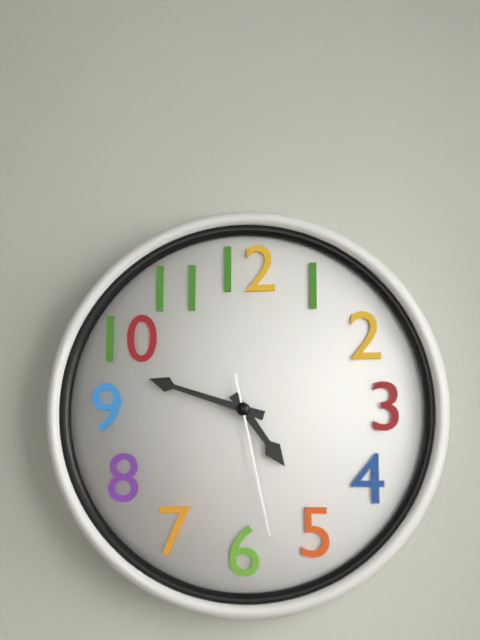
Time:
{"hour": 4, "minute": 48, "second": 28}
